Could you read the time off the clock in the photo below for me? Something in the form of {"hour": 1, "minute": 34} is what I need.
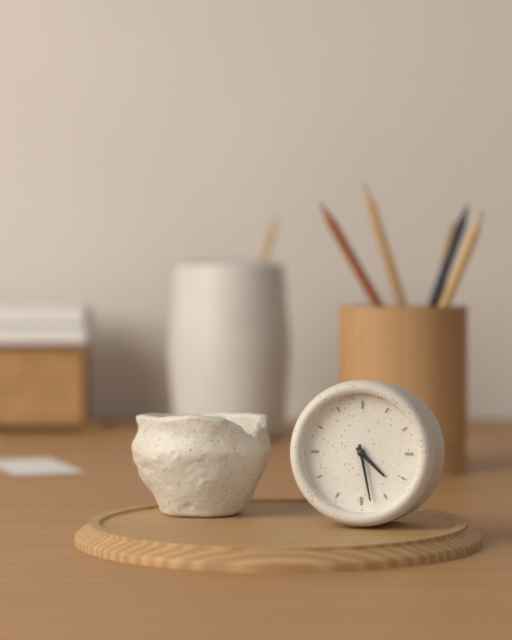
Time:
{"hour": 4, "minute": 28}
